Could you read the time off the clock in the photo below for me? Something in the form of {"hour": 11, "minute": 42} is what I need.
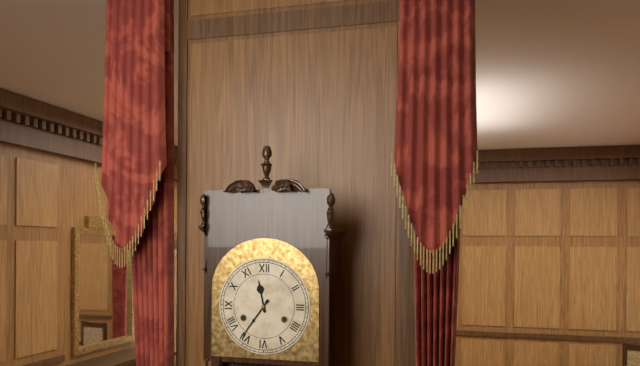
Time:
{"hour": 11, "minute": 36}
